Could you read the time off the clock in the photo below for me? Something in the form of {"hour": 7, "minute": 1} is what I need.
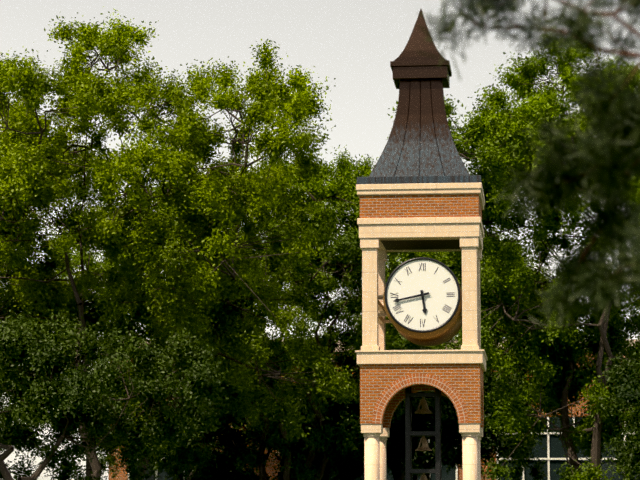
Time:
{"hour": 5, "minute": 43}
